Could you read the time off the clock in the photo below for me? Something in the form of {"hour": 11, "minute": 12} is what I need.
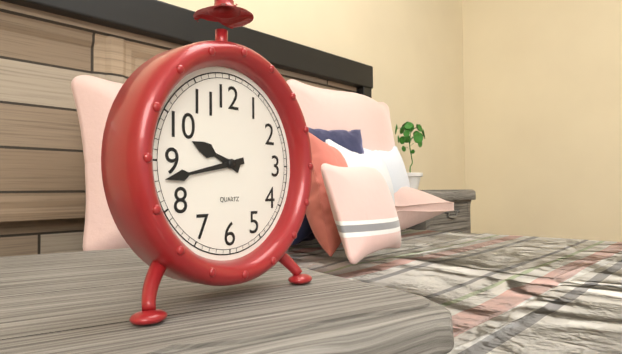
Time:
{"hour": 9, "minute": 43}
